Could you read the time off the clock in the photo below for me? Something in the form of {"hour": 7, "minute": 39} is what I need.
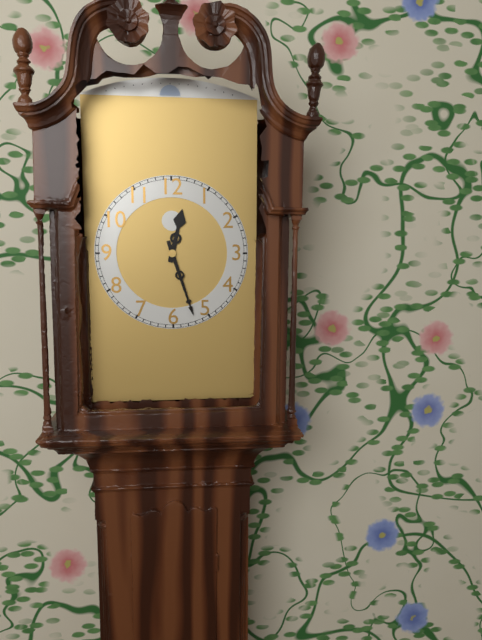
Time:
{"hour": 12, "minute": 27}
